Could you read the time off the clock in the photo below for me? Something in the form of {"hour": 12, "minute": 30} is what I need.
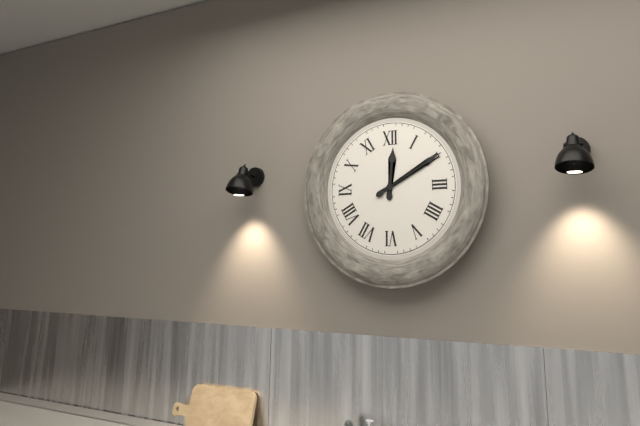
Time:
{"hour": 12, "minute": 10}
